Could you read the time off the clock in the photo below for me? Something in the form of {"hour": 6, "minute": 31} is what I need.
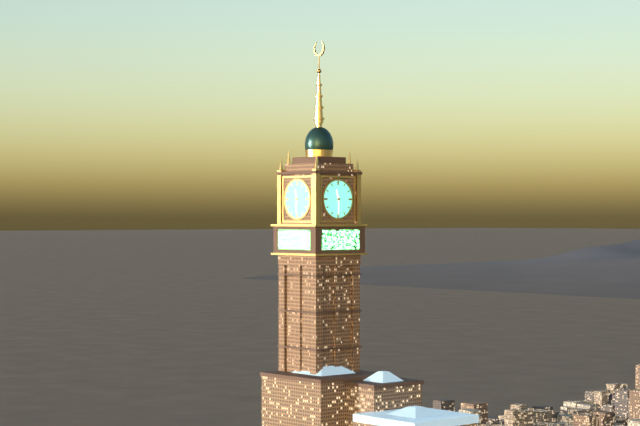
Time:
{"hour": 11, "minute": 30}
